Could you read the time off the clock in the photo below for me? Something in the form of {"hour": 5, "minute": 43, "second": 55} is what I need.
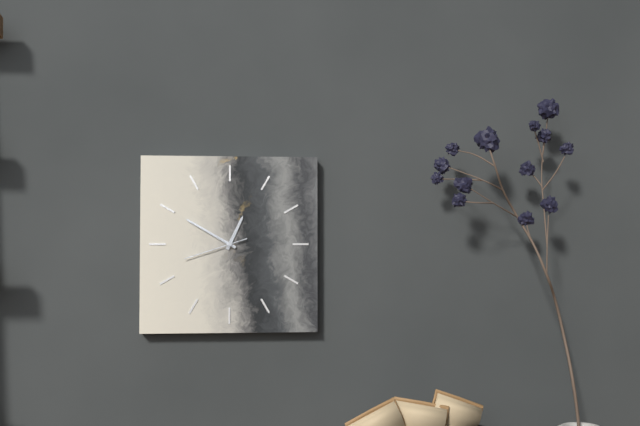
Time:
{"hour": 12, "minute": 50, "second": 42}
